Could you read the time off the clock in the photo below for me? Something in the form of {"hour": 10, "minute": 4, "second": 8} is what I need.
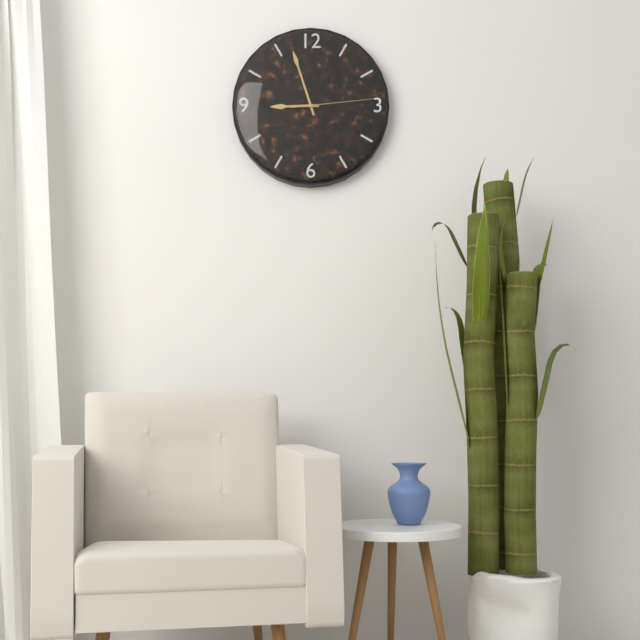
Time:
{"hour": 8, "minute": 57, "second": 14}
